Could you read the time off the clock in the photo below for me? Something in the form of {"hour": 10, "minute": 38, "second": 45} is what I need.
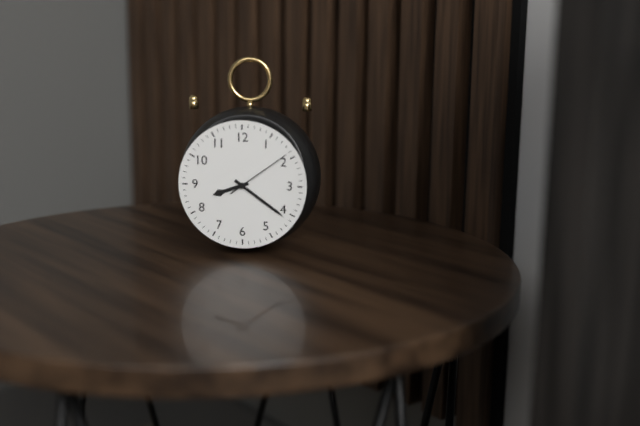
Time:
{"hour": 8, "minute": 21, "second": 9}
